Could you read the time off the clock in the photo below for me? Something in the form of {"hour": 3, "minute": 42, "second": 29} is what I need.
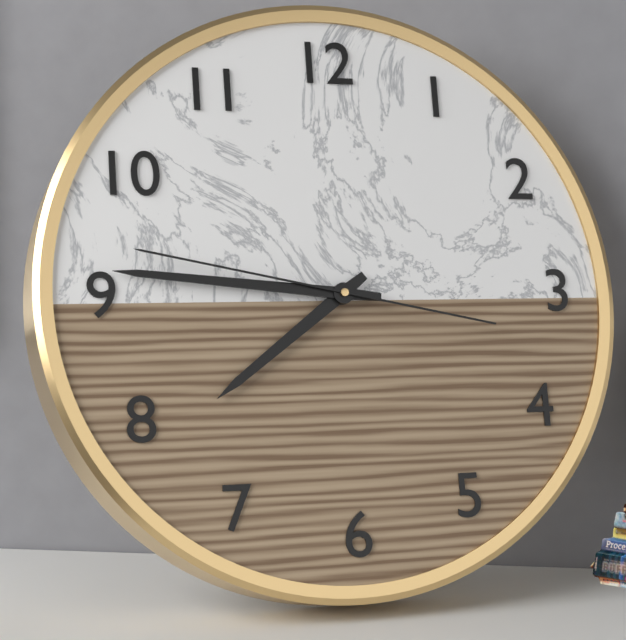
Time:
{"hour": 7, "minute": 46, "second": 47}
